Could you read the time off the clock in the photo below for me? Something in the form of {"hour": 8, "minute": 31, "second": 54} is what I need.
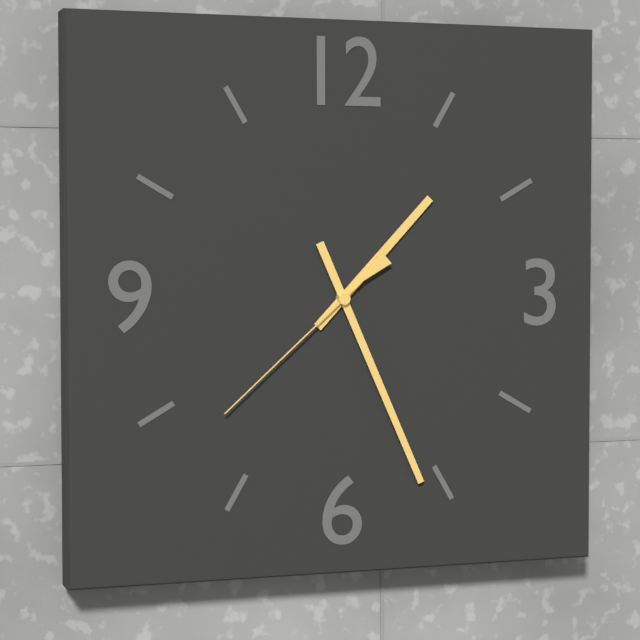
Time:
{"hour": 1, "minute": 26, "second": 38}
